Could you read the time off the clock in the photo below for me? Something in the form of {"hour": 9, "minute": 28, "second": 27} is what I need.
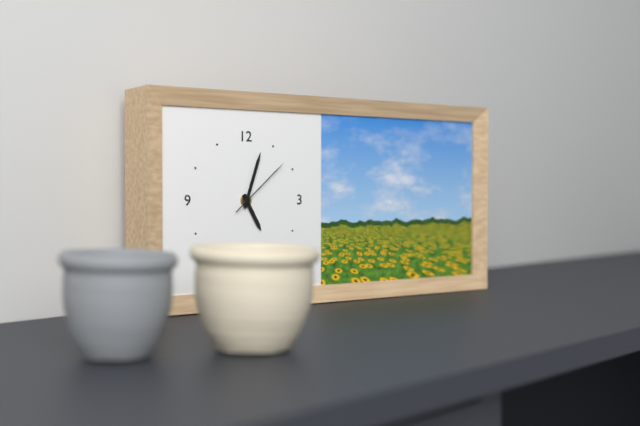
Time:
{"hour": 5, "minute": 3, "second": 8}
